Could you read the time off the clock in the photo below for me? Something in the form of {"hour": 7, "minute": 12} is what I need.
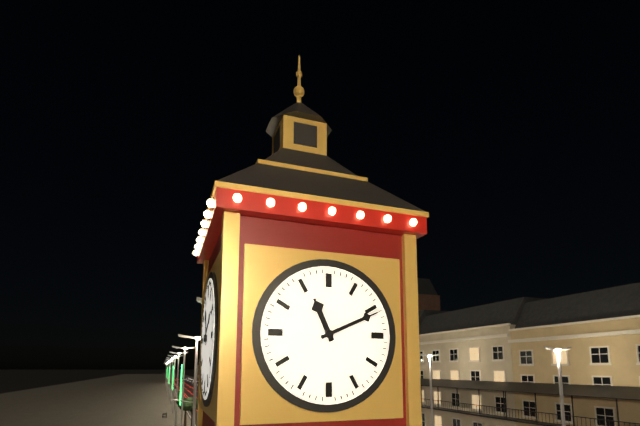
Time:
{"hour": 11, "minute": 11}
